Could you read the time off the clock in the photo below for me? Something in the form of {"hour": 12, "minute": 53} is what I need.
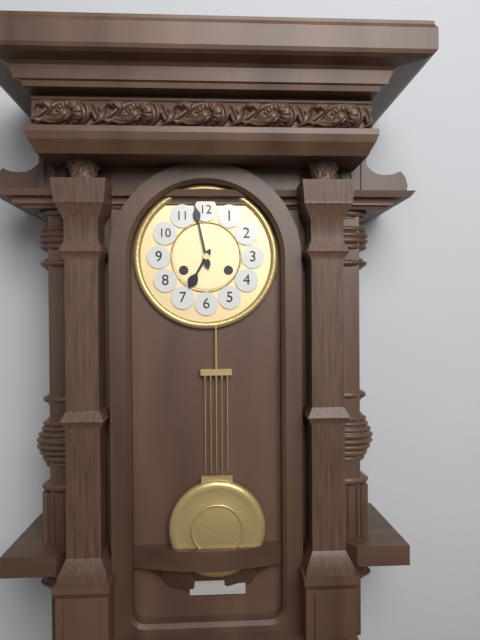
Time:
{"hour": 6, "minute": 58}
